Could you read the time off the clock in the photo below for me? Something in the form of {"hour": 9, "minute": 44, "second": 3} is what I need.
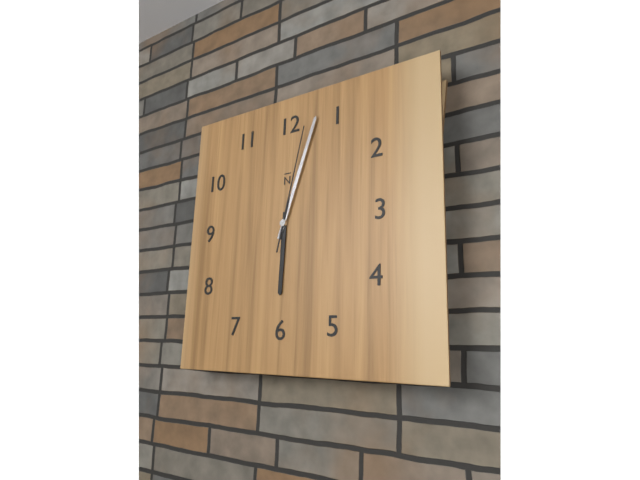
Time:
{"hour": 6, "minute": 3, "second": 2}
